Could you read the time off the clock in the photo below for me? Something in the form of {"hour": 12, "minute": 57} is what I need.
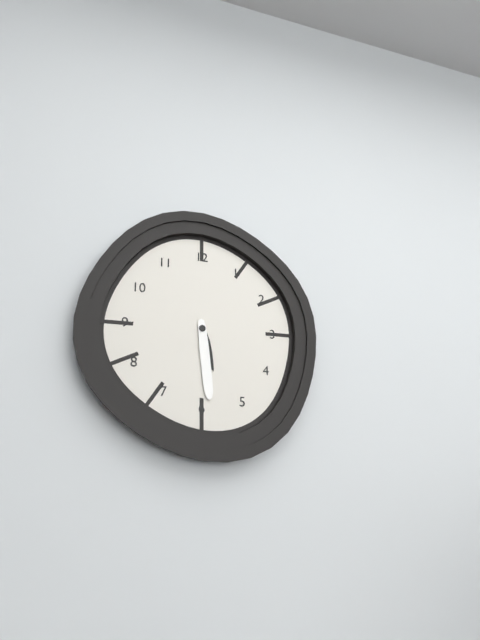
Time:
{"hour": 5, "minute": 29}
